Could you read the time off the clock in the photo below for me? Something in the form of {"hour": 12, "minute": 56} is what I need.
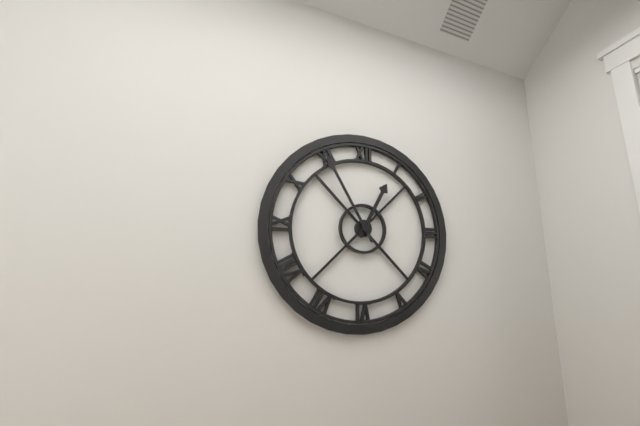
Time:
{"hour": 12, "minute": 55}
